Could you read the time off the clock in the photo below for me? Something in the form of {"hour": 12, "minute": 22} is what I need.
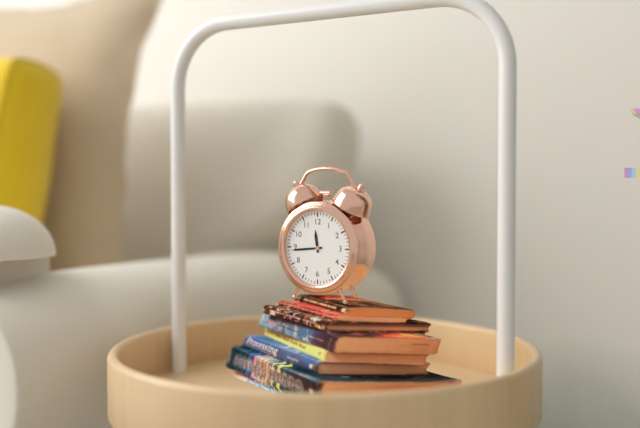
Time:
{"hour": 11, "minute": 44}
